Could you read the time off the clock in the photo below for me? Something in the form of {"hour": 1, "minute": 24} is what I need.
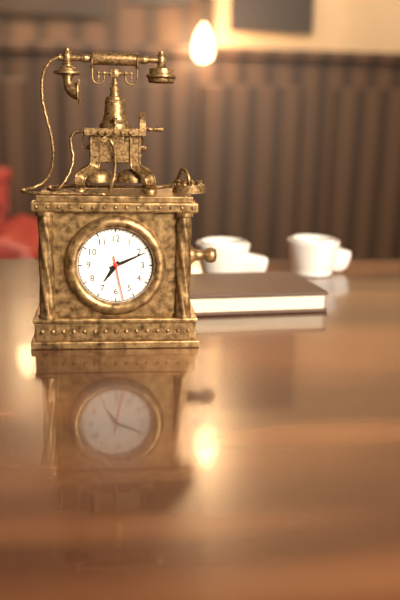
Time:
{"hour": 7, "minute": 11}
